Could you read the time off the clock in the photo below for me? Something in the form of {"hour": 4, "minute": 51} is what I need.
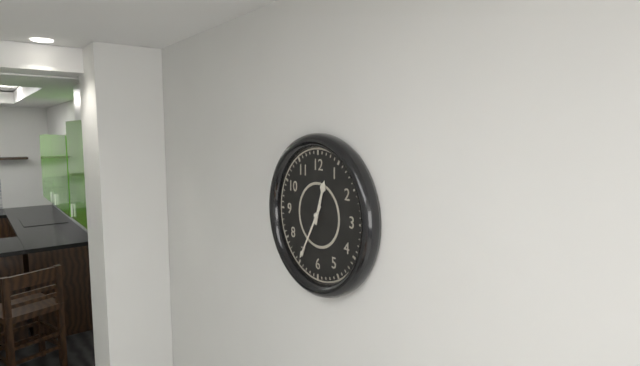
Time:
{"hour": 12, "minute": 35}
